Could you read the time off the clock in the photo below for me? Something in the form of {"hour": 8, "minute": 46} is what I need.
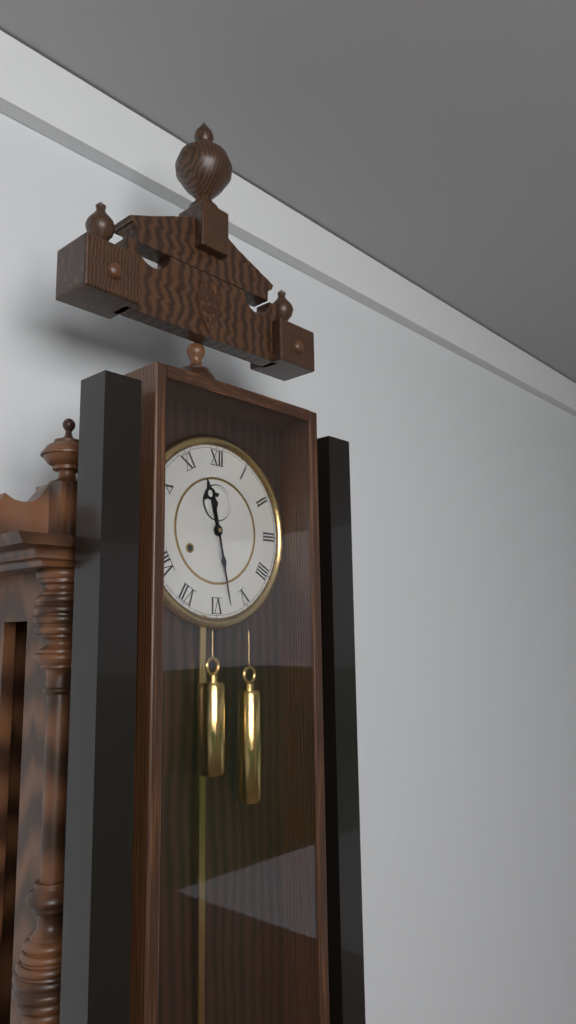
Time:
{"hour": 11, "minute": 28}
